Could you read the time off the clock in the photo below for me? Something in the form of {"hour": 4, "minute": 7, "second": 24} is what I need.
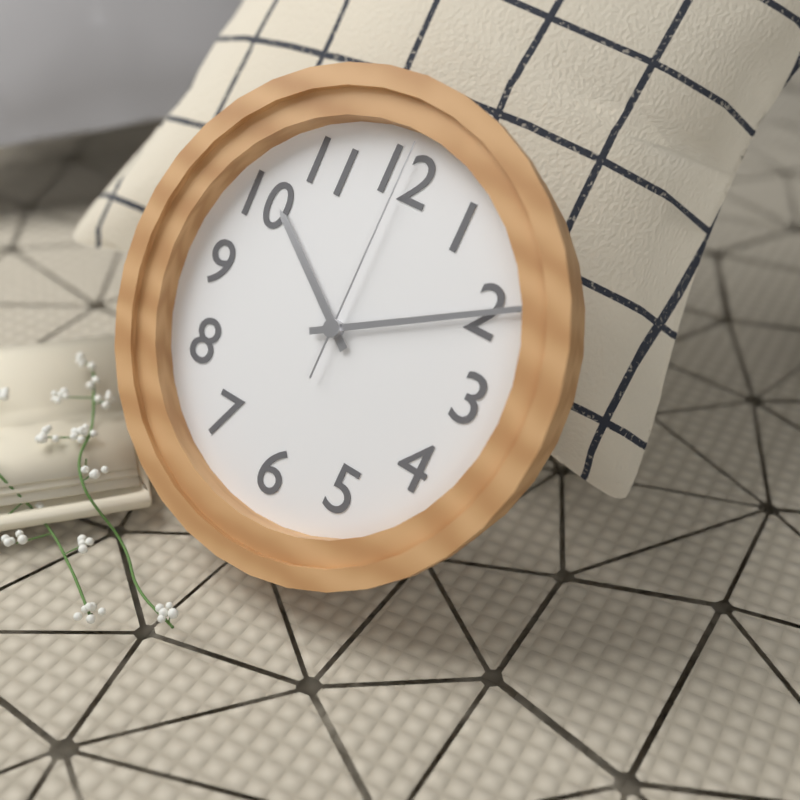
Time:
{"hour": 10, "minute": 10, "second": 0}
